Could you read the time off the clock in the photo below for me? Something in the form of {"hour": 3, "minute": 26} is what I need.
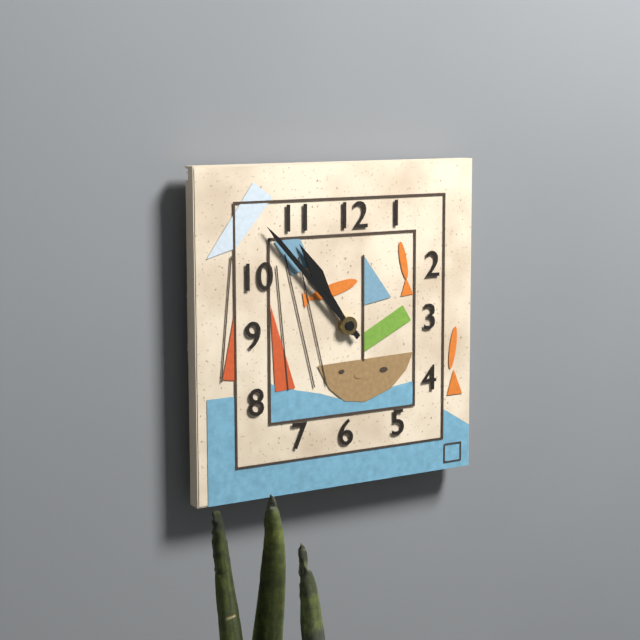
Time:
{"hour": 10, "minute": 53}
